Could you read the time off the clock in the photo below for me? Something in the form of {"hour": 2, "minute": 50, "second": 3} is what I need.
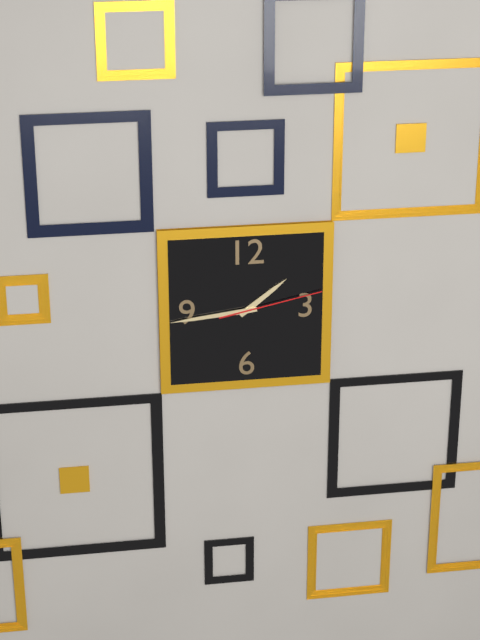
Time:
{"hour": 1, "minute": 44, "second": 13}
